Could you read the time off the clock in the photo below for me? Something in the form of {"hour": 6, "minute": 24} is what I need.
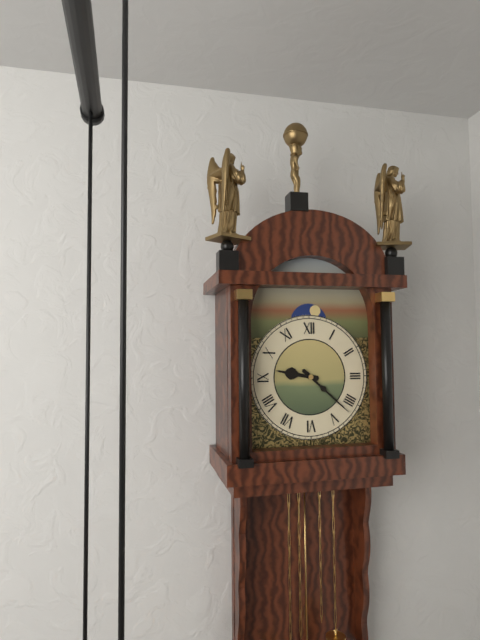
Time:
{"hour": 9, "minute": 22}
